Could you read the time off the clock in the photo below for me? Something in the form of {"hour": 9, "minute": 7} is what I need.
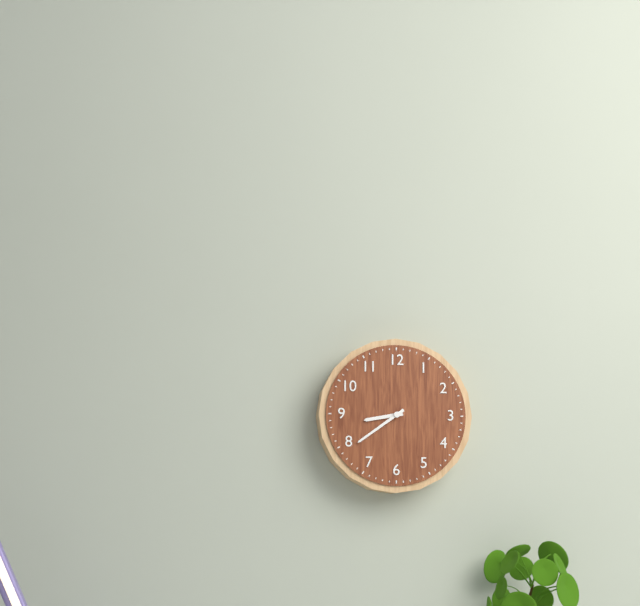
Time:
{"hour": 8, "minute": 39}
